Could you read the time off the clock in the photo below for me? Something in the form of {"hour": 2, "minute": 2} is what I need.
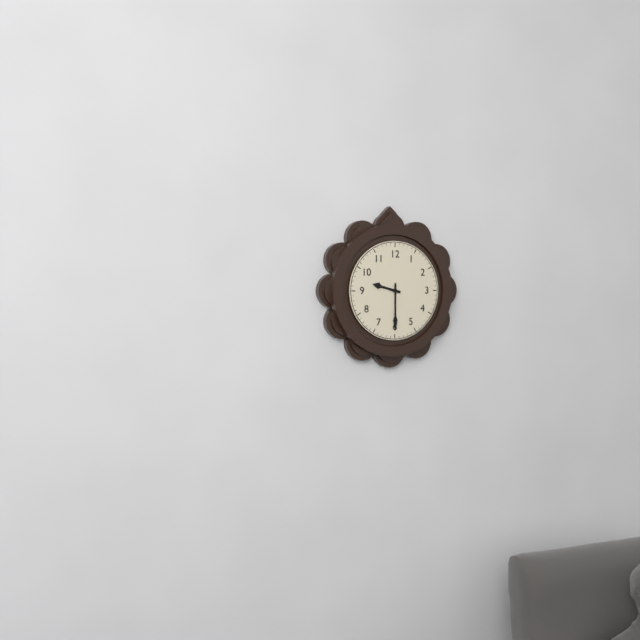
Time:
{"hour": 9, "minute": 30}
